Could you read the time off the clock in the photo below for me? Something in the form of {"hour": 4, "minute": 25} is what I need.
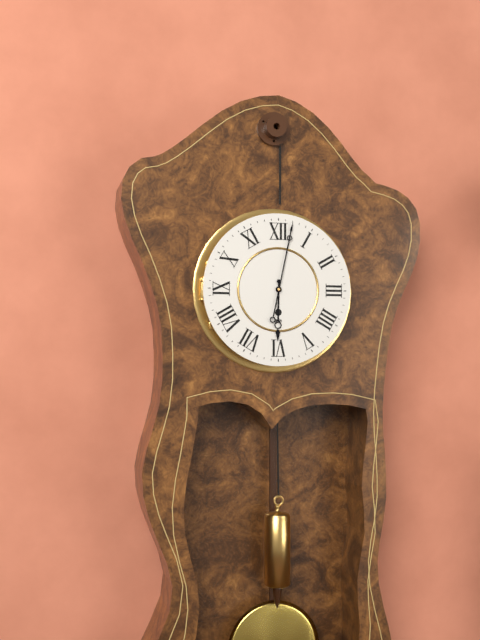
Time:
{"hour": 6, "minute": 2}
